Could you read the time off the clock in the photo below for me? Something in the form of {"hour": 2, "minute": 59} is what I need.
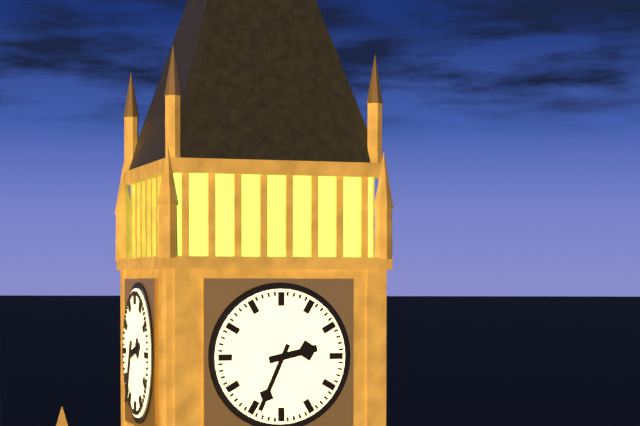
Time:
{"hour": 2, "minute": 34}
